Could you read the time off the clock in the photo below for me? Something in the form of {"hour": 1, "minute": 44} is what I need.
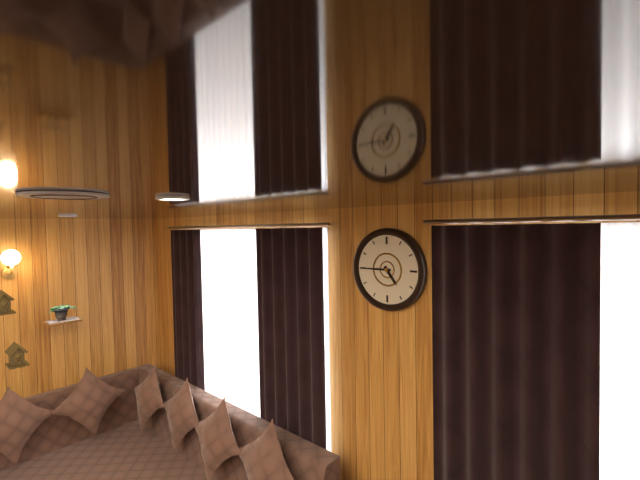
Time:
{"hour": 4, "minute": 45}
